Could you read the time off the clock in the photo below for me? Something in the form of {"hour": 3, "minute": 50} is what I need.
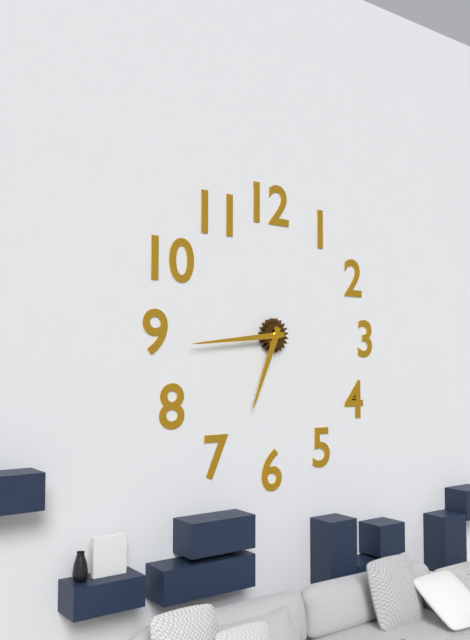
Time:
{"hour": 6, "minute": 44}
